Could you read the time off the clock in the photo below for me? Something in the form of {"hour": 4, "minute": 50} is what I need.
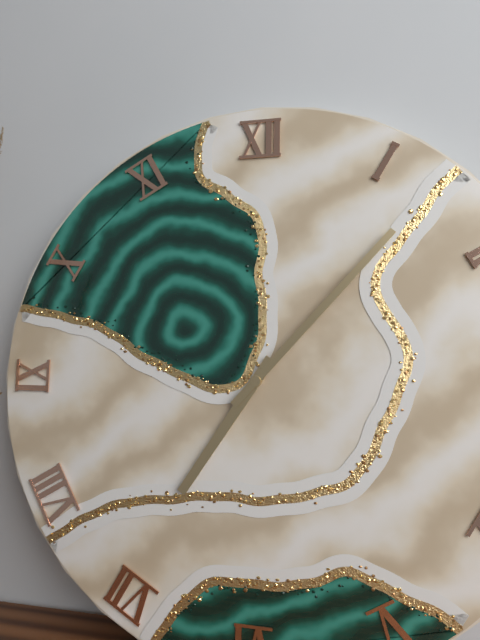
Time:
{"hour": 7, "minute": 7}
